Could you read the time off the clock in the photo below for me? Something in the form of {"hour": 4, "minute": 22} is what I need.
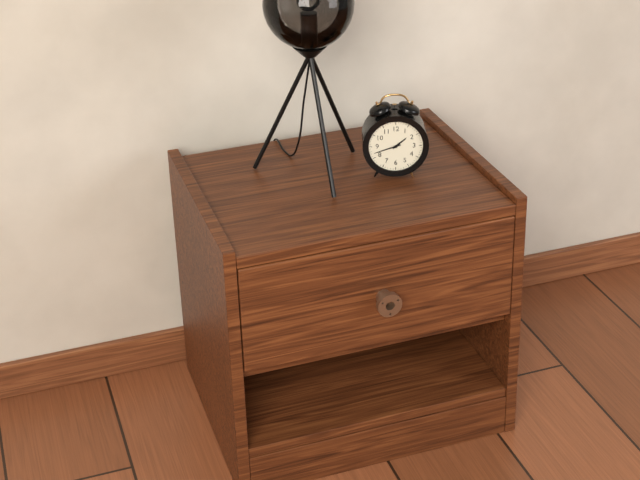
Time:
{"hour": 1, "minute": 42}
